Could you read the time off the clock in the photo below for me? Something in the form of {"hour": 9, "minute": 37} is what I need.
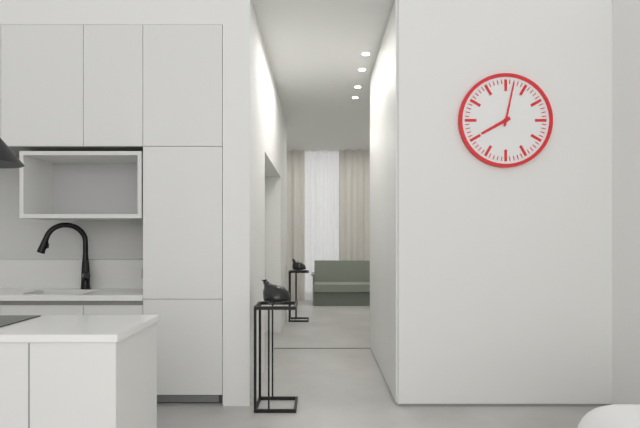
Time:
{"hour": 8, "minute": 2}
